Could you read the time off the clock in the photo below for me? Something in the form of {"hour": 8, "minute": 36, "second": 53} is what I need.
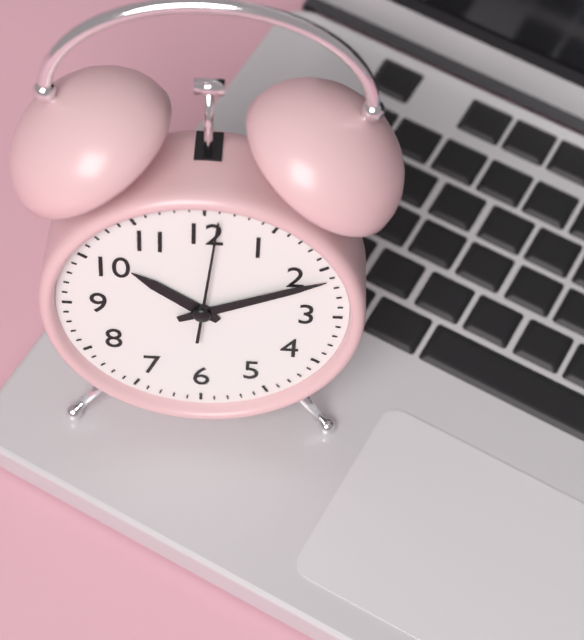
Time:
{"hour": 10, "minute": 11, "second": 1}
